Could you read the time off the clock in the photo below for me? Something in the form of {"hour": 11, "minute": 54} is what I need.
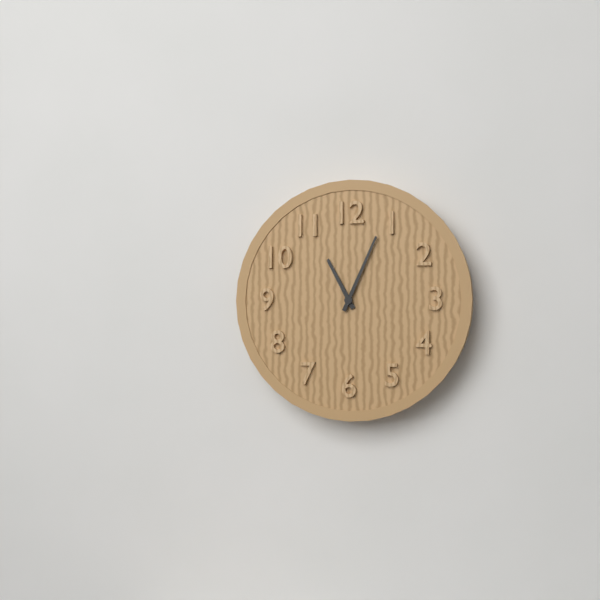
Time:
{"hour": 11, "minute": 4}
